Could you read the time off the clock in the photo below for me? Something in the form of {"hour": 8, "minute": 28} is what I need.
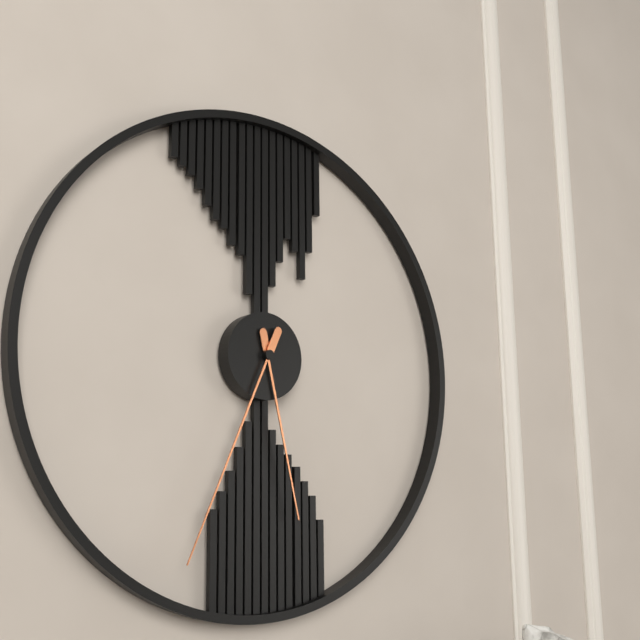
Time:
{"hour": 5, "minute": 34}
